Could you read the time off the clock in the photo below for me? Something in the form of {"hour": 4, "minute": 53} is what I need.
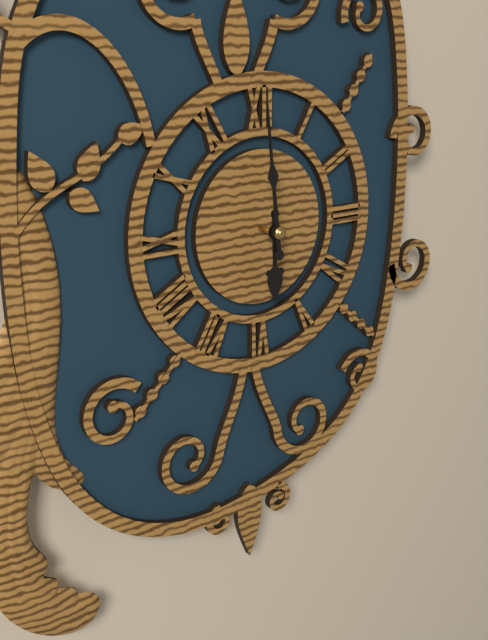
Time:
{"hour": 5, "minute": 59}
